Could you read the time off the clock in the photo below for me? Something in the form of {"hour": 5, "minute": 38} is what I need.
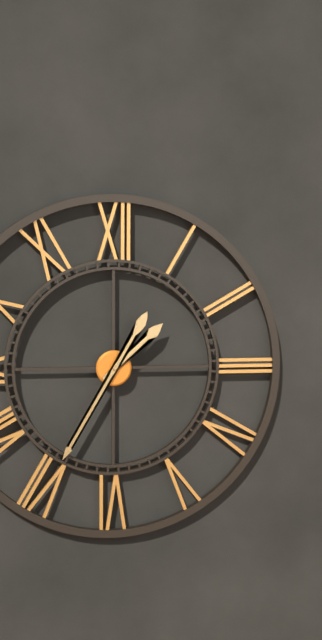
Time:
{"hour": 1, "minute": 35}
